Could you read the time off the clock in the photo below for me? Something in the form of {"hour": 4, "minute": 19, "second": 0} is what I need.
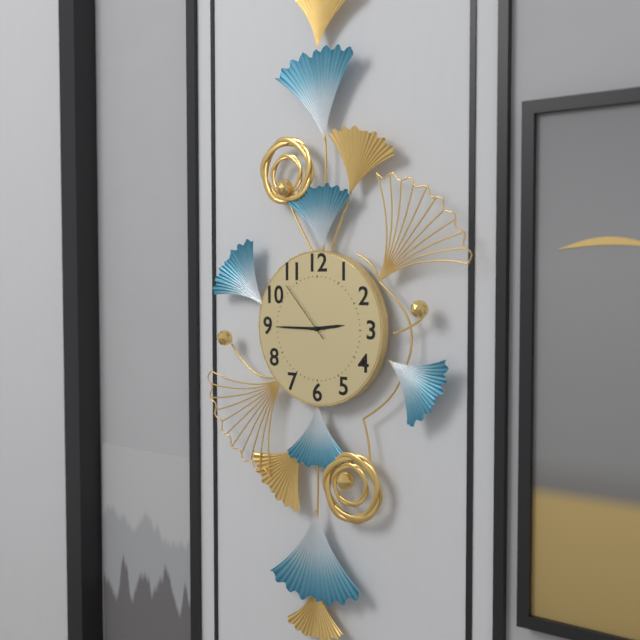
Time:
{"hour": 2, "minute": 45, "second": 53}
